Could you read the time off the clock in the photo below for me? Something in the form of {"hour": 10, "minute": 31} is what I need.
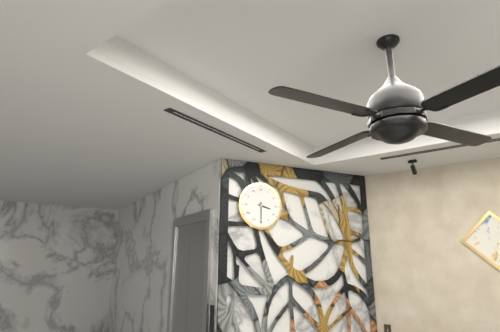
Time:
{"hour": 3, "minute": 30}
